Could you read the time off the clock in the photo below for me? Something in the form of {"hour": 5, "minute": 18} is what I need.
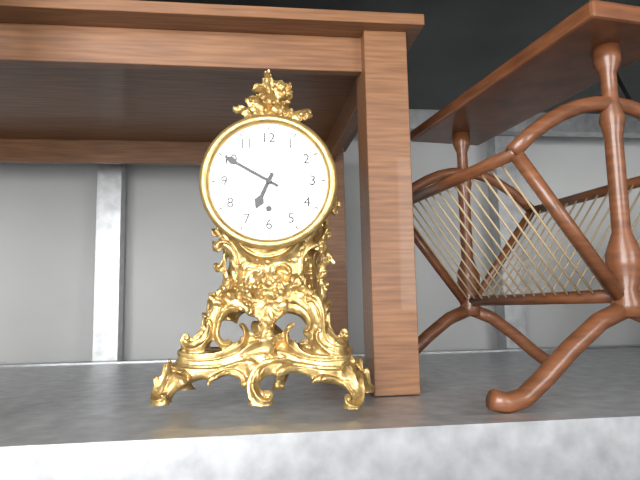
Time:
{"hour": 6, "minute": 50}
